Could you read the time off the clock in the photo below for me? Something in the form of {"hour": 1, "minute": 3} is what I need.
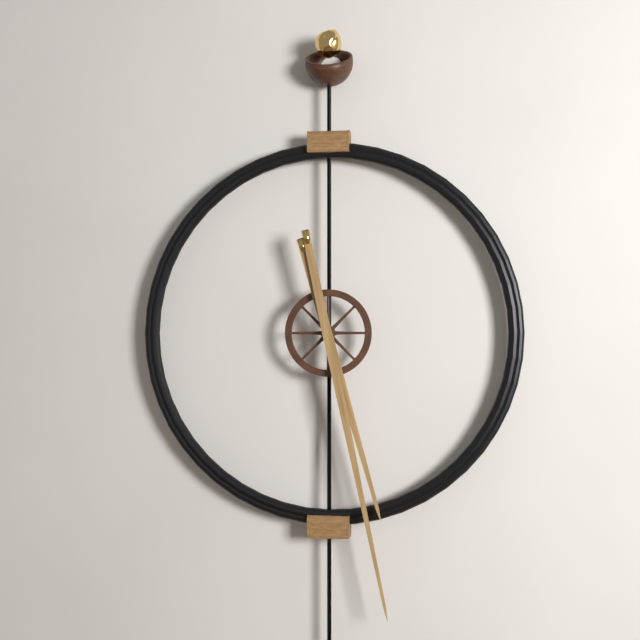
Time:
{"hour": 5, "minute": 28}
